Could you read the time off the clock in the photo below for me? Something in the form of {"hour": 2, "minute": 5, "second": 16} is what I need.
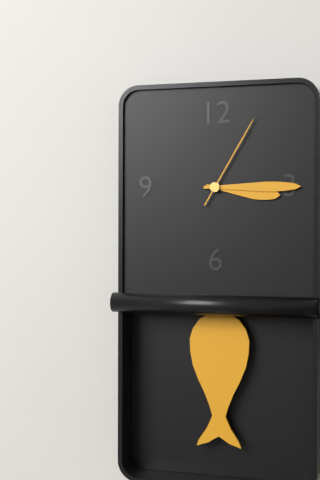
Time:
{"hour": 3, "minute": 15, "second": 5}
